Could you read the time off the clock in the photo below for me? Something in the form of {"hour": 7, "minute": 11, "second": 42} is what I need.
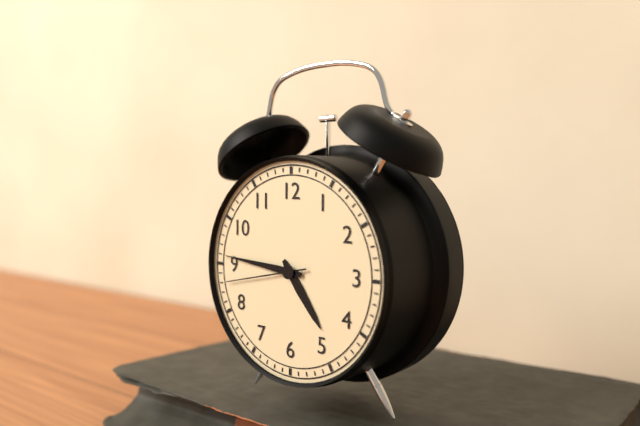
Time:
{"hour": 4, "minute": 46, "second": 43}
